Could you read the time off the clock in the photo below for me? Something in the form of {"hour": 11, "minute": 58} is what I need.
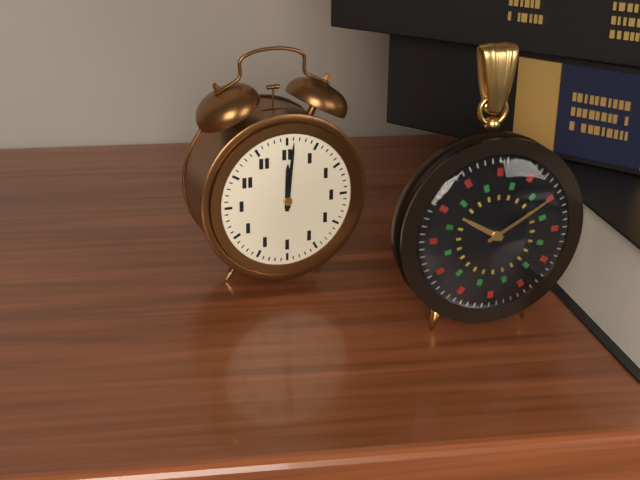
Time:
{"hour": 12, "minute": 1}
